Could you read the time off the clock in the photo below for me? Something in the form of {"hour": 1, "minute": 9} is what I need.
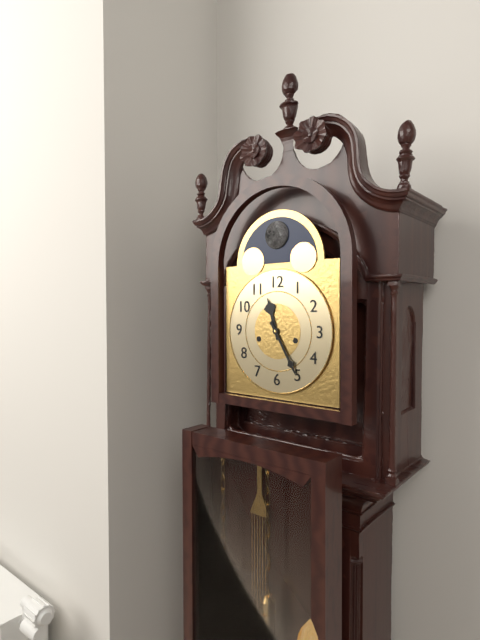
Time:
{"hour": 11, "minute": 25}
